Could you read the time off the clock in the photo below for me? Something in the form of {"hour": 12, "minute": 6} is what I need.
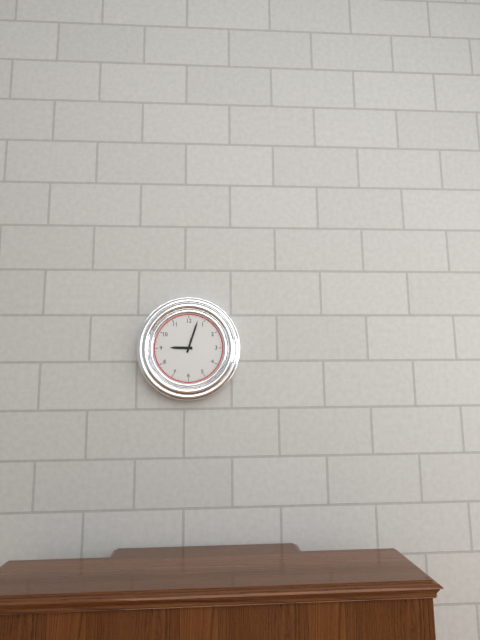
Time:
{"hour": 9, "minute": 3}
